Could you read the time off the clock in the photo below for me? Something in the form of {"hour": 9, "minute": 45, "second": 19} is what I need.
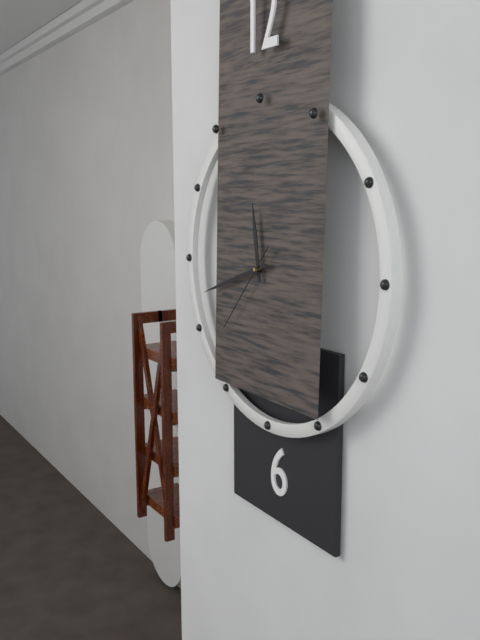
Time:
{"hour": 11, "minute": 42, "second": 37}
